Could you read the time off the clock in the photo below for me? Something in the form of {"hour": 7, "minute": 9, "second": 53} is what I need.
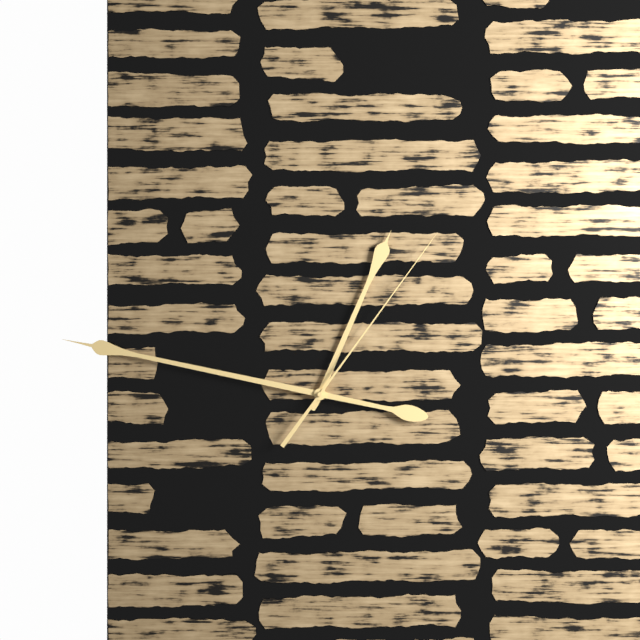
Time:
{"hour": 12, "minute": 47, "second": 6}
